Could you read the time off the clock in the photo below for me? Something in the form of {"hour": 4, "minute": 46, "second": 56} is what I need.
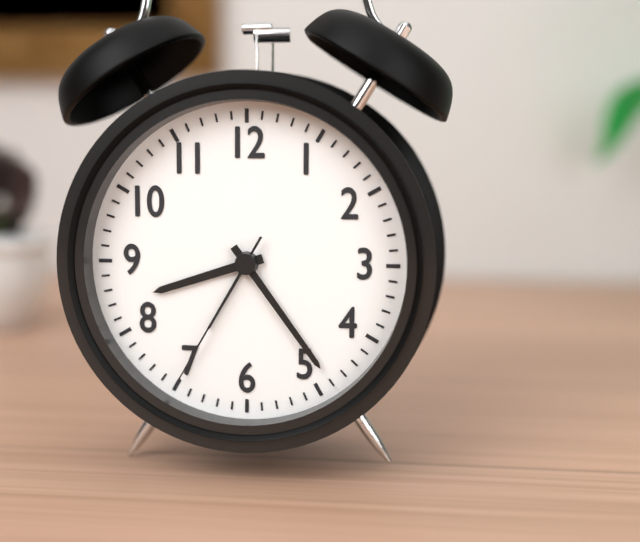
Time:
{"hour": 8, "minute": 24, "second": 35}
